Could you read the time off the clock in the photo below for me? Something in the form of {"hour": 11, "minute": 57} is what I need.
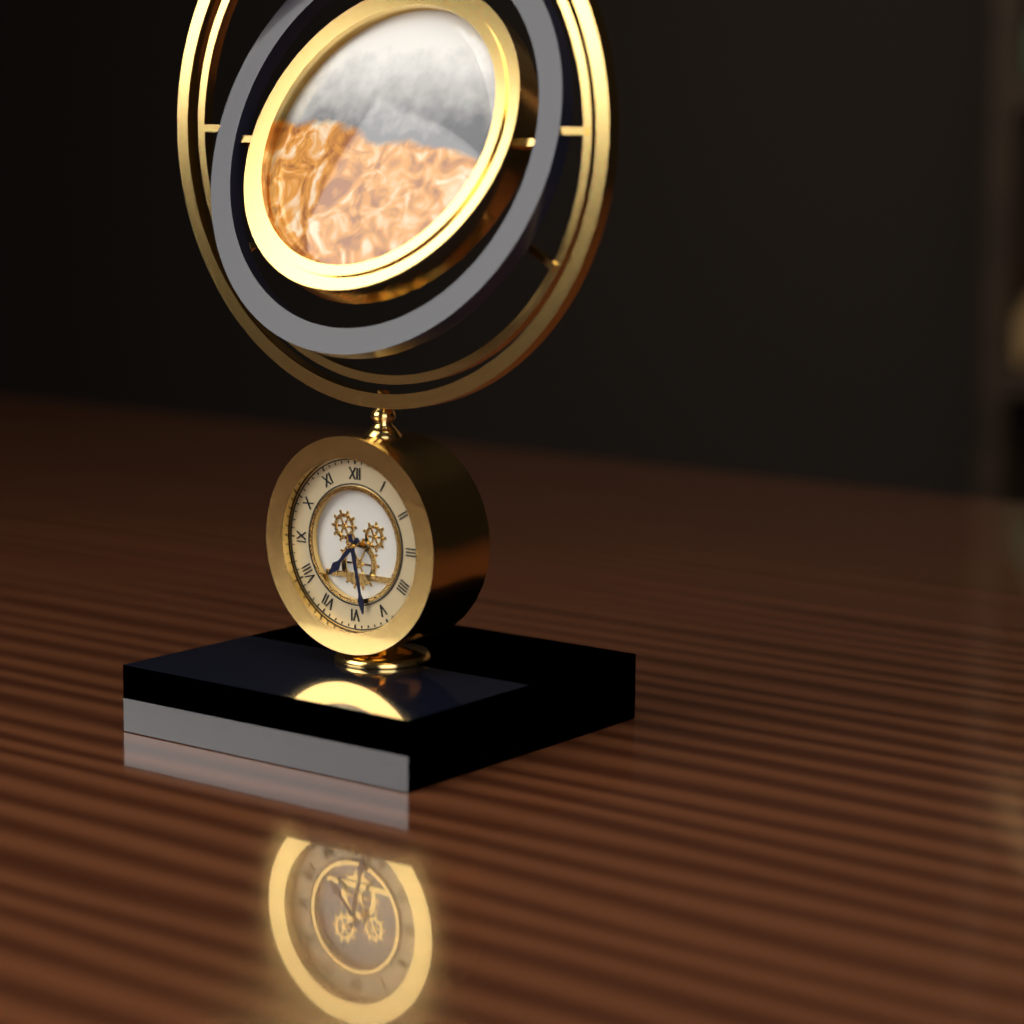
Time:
{"hour": 7, "minute": 28}
